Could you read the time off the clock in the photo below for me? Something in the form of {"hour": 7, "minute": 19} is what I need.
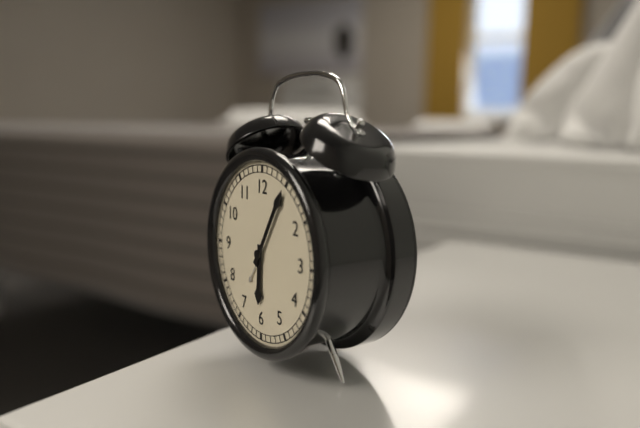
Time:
{"hour": 6, "minute": 5}
